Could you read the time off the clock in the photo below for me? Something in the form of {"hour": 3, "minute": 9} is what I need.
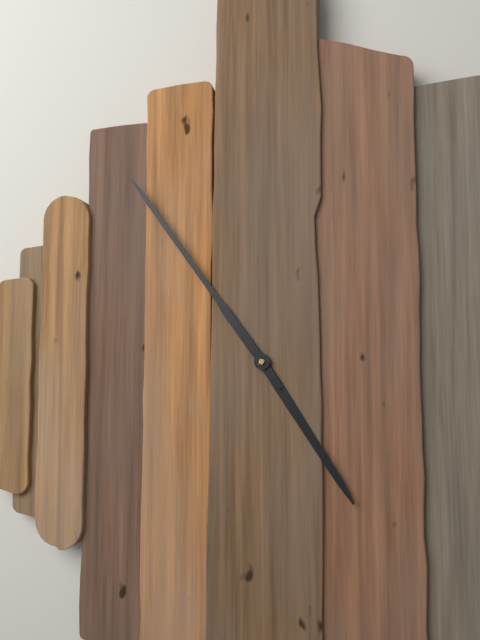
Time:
{"hour": 4, "minute": 54}
